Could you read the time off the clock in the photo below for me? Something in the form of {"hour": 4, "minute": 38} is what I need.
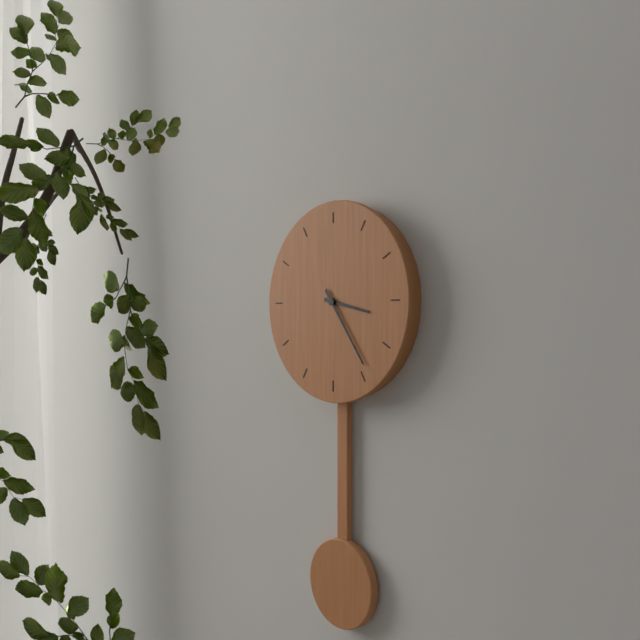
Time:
{"hour": 3, "minute": 24}
